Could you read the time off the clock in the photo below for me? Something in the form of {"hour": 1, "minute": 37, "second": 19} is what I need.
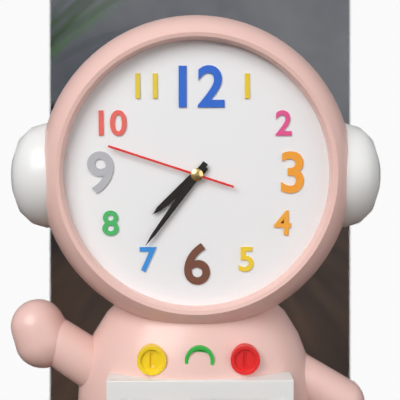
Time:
{"hour": 7, "minute": 36, "second": 48}
